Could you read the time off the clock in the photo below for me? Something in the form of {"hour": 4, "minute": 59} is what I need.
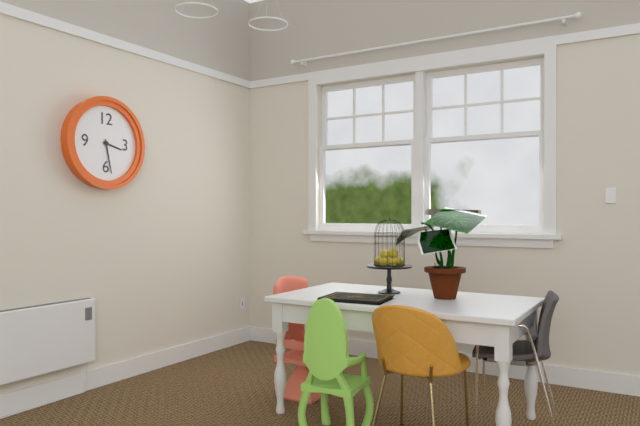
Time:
{"hour": 3, "minute": 28}
